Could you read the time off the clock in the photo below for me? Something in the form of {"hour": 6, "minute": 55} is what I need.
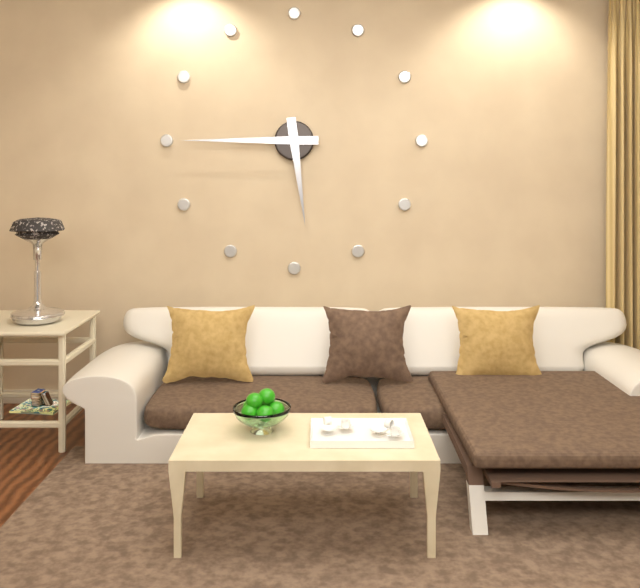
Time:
{"hour": 5, "minute": 45}
